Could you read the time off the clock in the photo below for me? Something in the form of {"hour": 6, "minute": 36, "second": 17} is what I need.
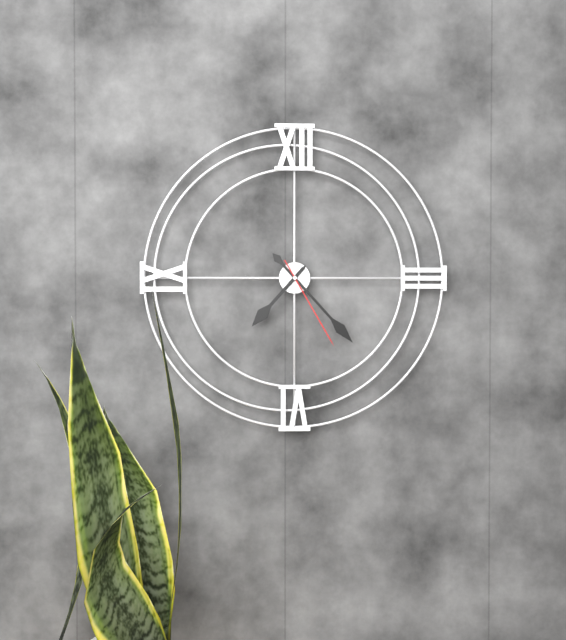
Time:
{"hour": 7, "minute": 23, "second": 25}
